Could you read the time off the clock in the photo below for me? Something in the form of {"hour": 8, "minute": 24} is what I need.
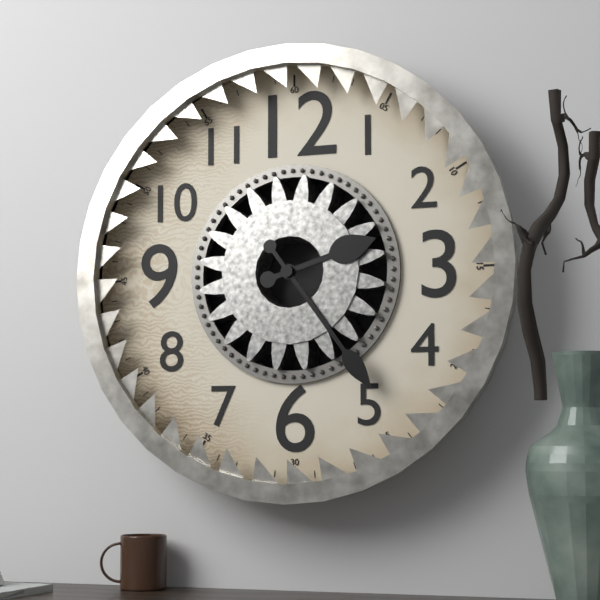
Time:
{"hour": 2, "minute": 24}
